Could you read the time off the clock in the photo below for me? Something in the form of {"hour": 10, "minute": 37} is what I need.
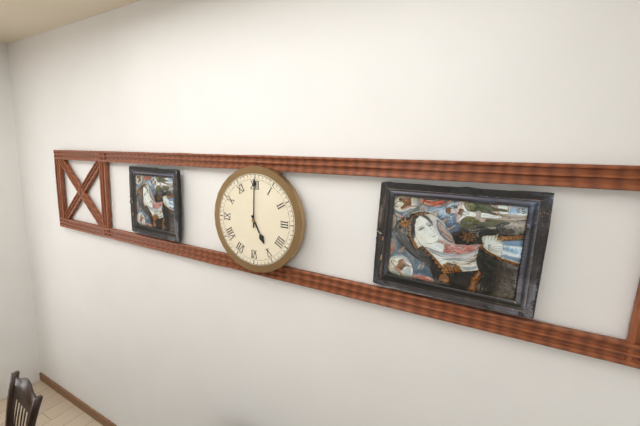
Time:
{"hour": 5, "minute": 0}
